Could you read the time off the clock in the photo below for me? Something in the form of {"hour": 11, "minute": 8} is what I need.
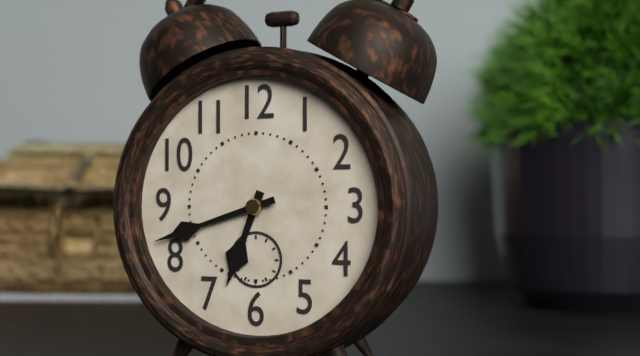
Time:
{"hour": 6, "minute": 42}
